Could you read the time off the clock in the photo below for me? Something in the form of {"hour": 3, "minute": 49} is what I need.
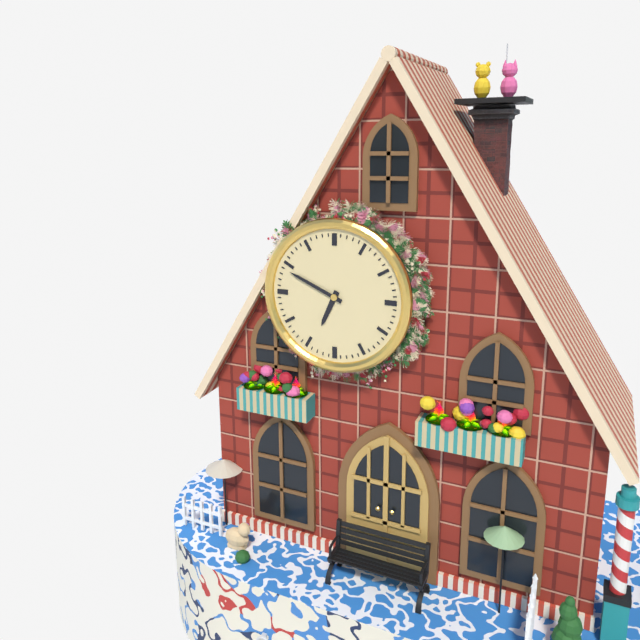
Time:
{"hour": 6, "minute": 49}
